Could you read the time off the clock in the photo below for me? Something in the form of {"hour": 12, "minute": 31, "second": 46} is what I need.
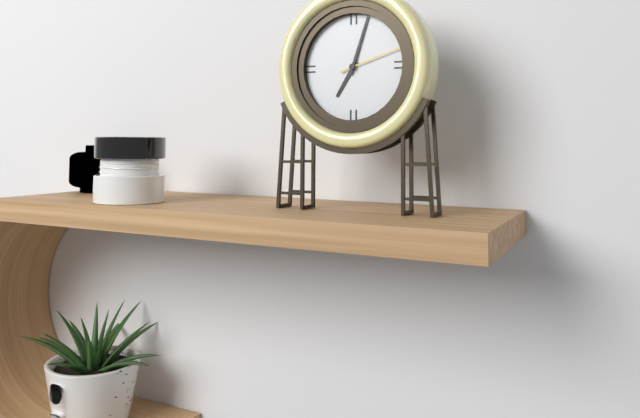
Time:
{"hour": 7, "minute": 3, "second": 12}
